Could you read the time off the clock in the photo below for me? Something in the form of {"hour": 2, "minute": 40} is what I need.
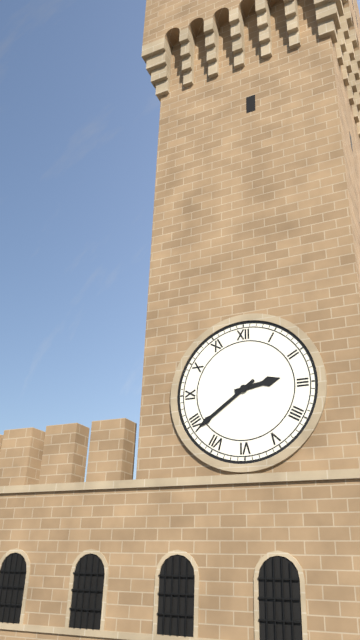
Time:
{"hour": 2, "minute": 39}
